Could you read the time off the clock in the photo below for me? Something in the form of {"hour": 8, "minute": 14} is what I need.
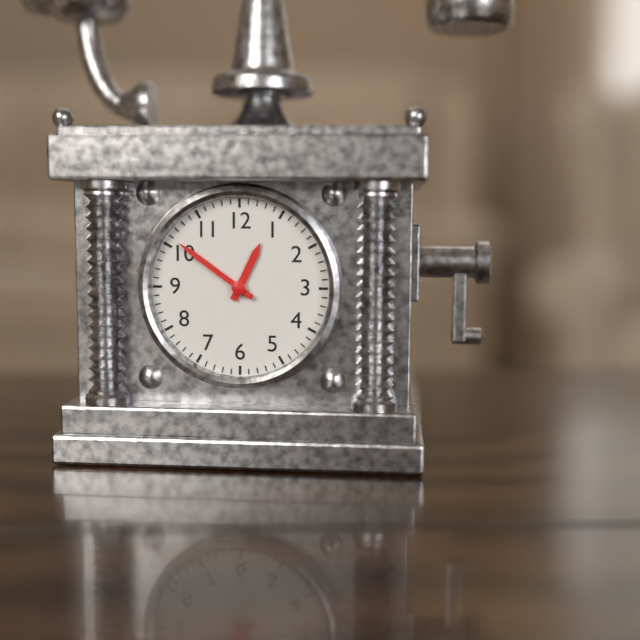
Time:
{"hour": 12, "minute": 51}
